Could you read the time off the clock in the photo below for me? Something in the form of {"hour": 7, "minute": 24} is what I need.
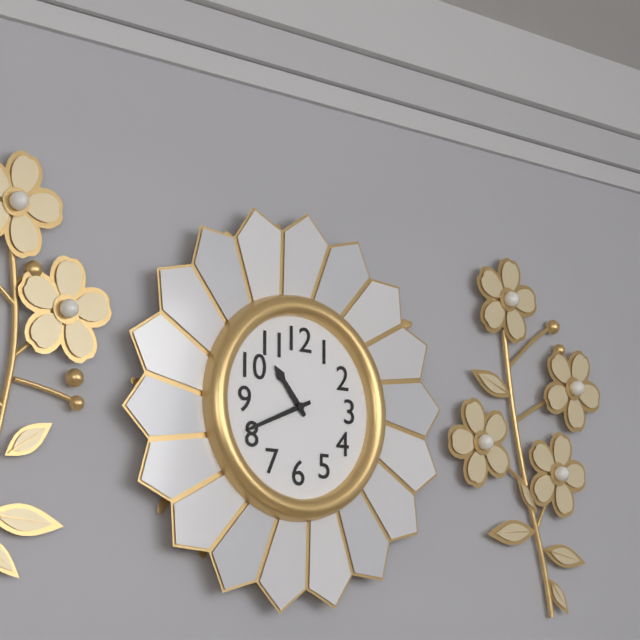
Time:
{"hour": 10, "minute": 41}
